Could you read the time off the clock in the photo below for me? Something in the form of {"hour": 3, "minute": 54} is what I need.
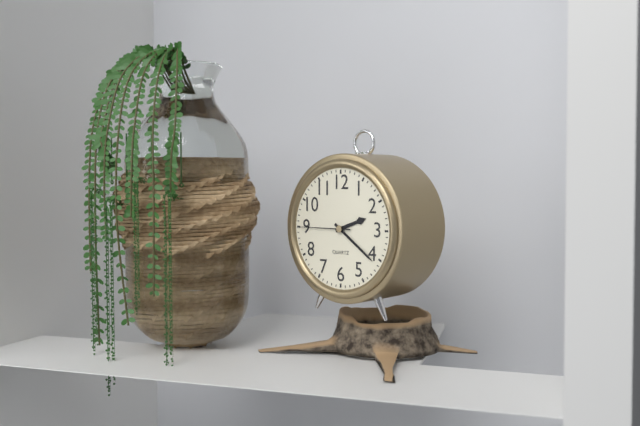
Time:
{"hour": 2, "minute": 21}
